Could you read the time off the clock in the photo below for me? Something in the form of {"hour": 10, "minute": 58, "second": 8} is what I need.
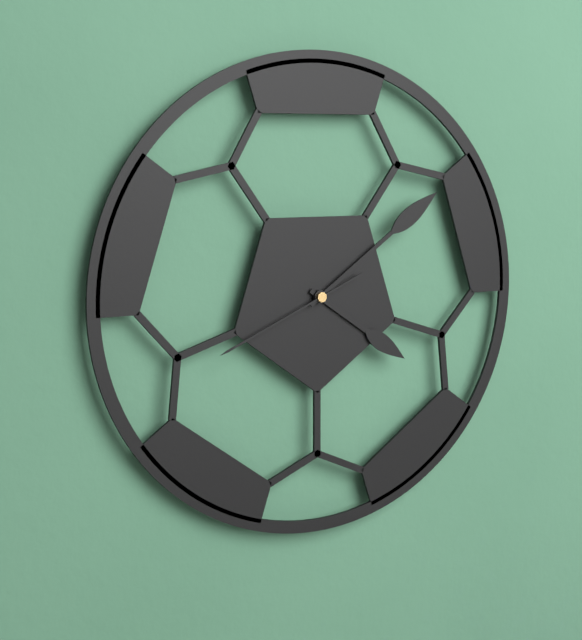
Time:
{"hour": 4, "minute": 9, "second": 41}
